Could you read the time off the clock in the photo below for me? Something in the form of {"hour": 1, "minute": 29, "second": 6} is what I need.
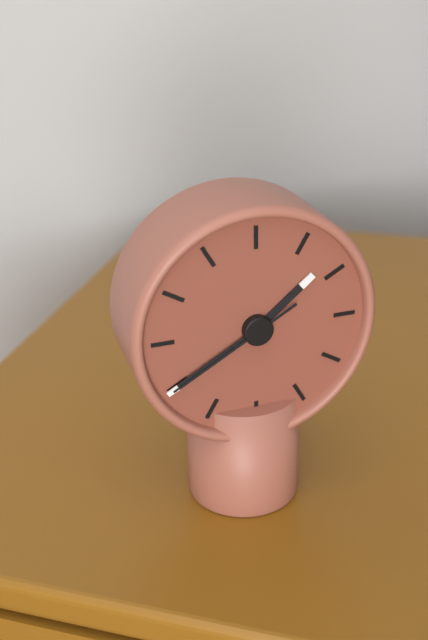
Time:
{"hour": 1, "minute": 40, "second": 40}
